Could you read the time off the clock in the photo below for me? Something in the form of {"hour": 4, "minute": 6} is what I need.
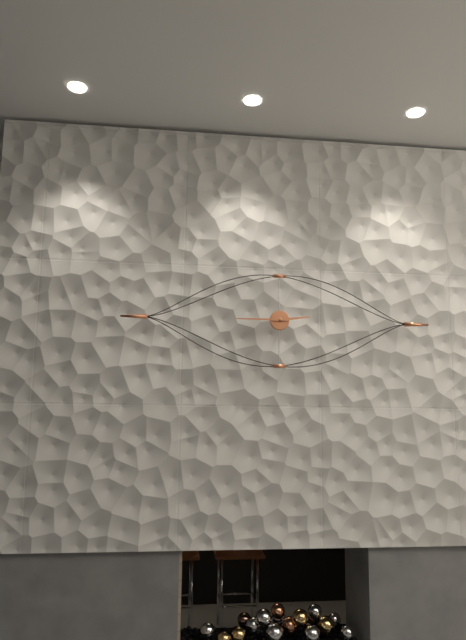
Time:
{"hour": 2, "minute": 45}
